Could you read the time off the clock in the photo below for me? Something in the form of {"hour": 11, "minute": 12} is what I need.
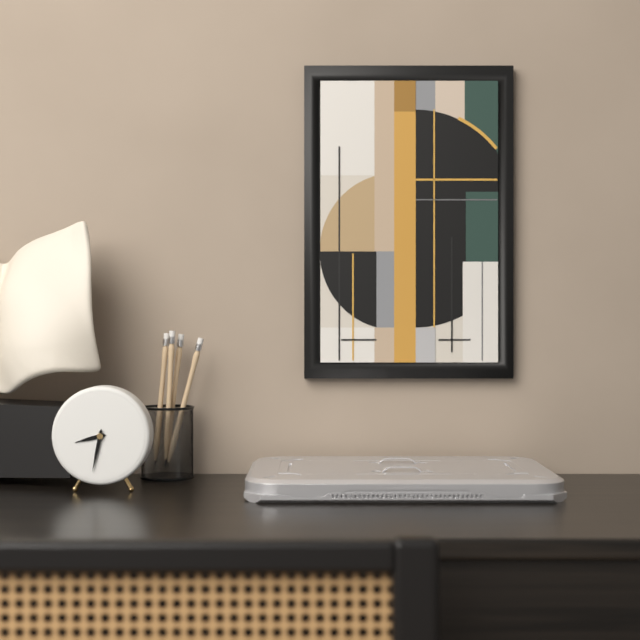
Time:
{"hour": 8, "minute": 32}
